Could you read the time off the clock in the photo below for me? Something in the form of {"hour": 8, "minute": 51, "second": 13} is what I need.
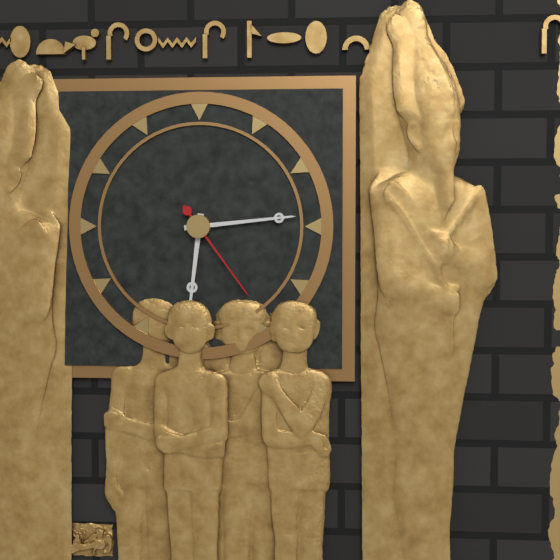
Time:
{"hour": 6, "minute": 14, "second": 24}
